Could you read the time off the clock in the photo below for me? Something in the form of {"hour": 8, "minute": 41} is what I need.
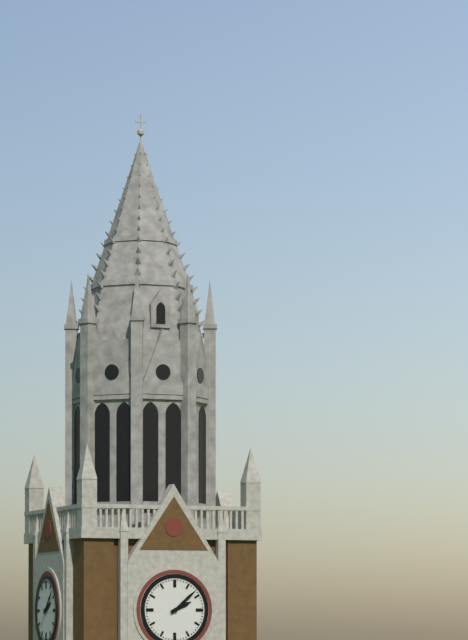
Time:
{"hour": 2, "minute": 8}
